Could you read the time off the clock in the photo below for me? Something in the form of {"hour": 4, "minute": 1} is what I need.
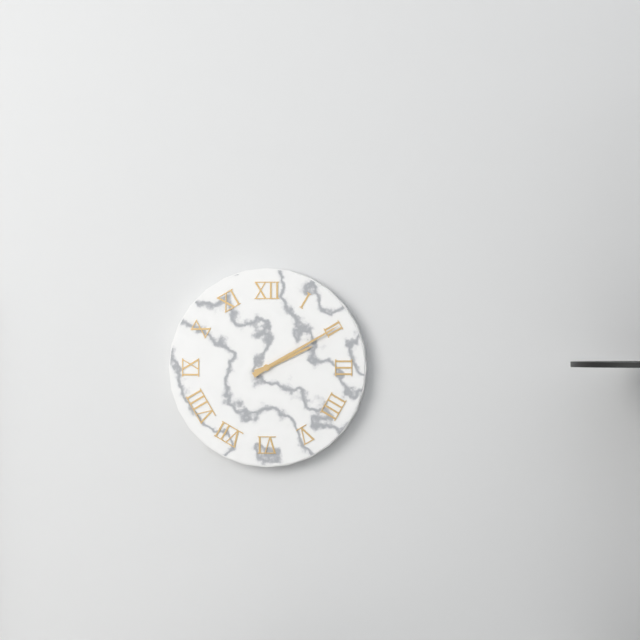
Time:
{"hour": 2, "minute": 10}
